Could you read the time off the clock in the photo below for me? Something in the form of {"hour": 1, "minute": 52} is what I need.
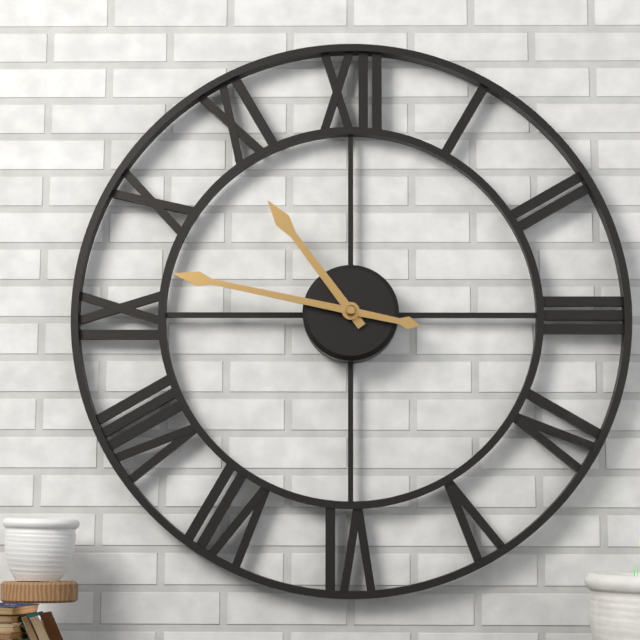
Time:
{"hour": 10, "minute": 47}
